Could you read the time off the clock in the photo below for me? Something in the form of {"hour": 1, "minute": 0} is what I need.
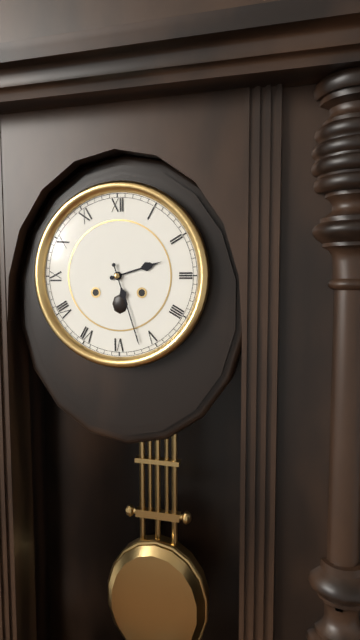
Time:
{"hour": 2, "minute": 27}
